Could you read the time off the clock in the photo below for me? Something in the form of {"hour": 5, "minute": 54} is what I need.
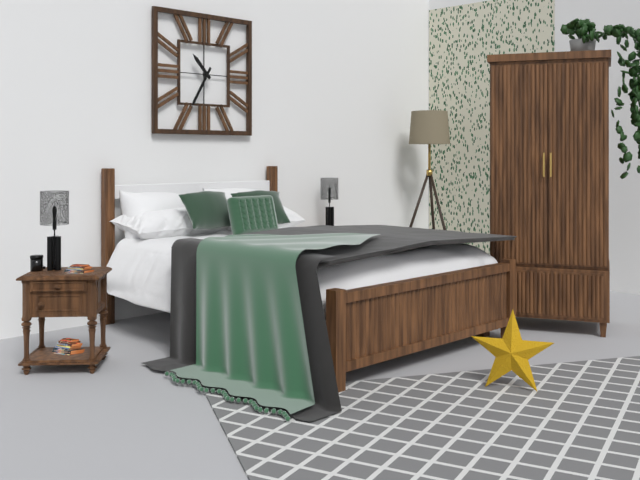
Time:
{"hour": 10, "minute": 35}
